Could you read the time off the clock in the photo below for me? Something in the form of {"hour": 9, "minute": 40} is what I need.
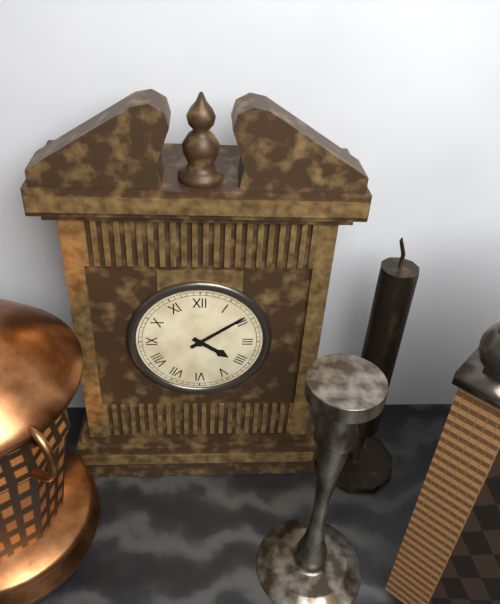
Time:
{"hour": 4, "minute": 9}
